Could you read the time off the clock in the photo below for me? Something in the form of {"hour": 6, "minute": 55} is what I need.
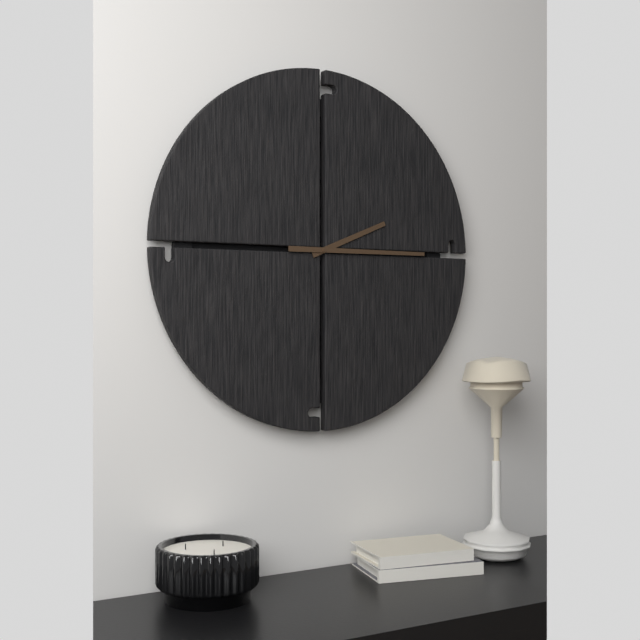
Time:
{"hour": 2, "minute": 15}
